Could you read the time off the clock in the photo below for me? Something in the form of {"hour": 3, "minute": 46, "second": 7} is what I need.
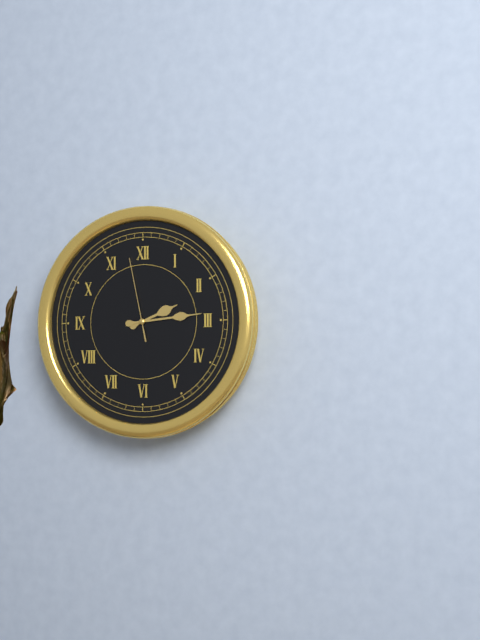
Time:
{"hour": 2, "minute": 14, "second": 58}
